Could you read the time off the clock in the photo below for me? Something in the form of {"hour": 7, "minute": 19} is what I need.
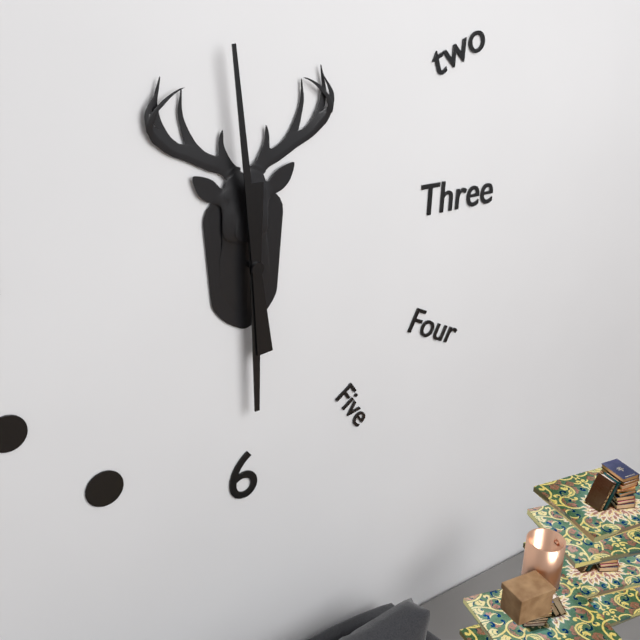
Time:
{"hour": 5, "minute": 59}
